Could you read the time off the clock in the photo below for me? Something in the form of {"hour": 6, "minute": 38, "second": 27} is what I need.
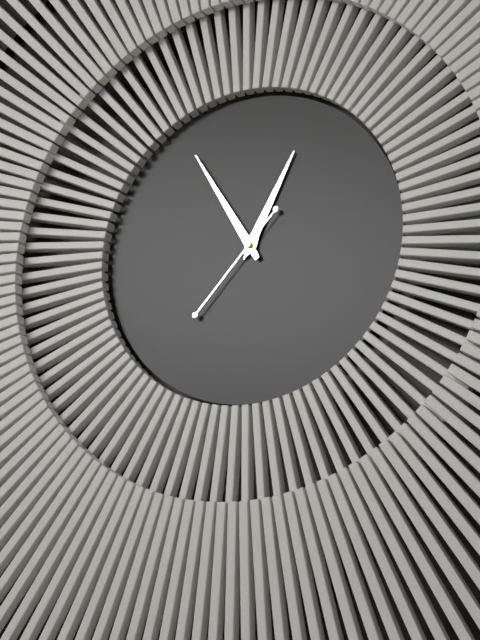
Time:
{"hour": 12, "minute": 55, "second": 37}
